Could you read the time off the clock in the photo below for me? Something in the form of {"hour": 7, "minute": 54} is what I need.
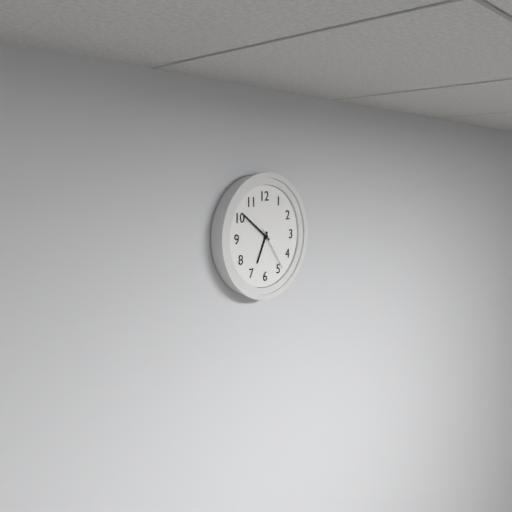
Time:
{"hour": 6, "minute": 51}
